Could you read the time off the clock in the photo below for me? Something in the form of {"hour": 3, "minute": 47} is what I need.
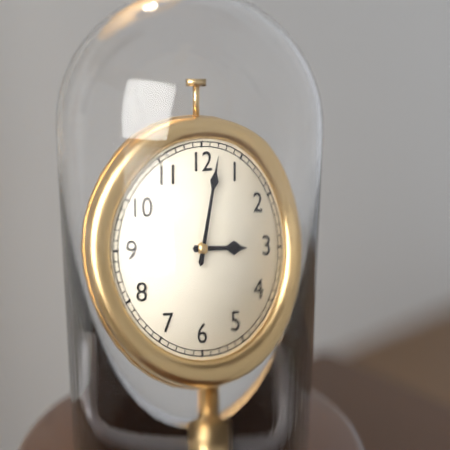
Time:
{"hour": 3, "minute": 2}
